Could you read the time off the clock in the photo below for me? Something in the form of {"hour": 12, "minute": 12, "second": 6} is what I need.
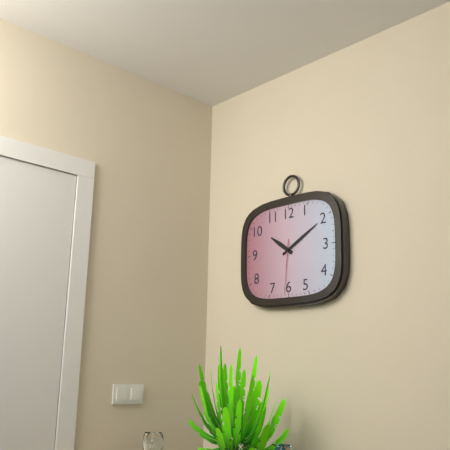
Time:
{"hour": 10, "minute": 10, "second": 31}
